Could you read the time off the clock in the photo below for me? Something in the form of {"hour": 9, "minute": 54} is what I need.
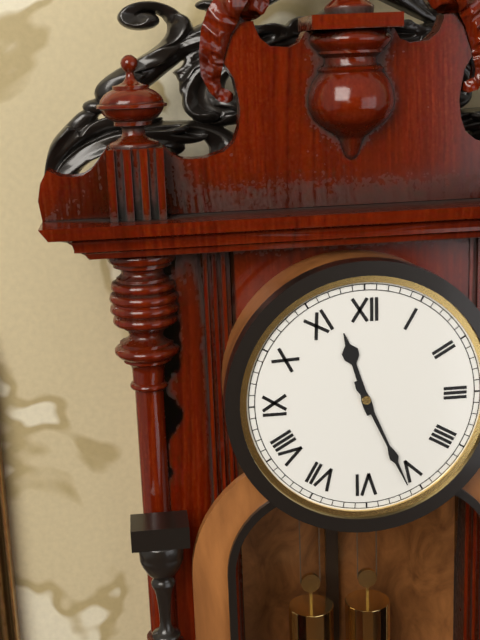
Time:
{"hour": 11, "minute": 26}
